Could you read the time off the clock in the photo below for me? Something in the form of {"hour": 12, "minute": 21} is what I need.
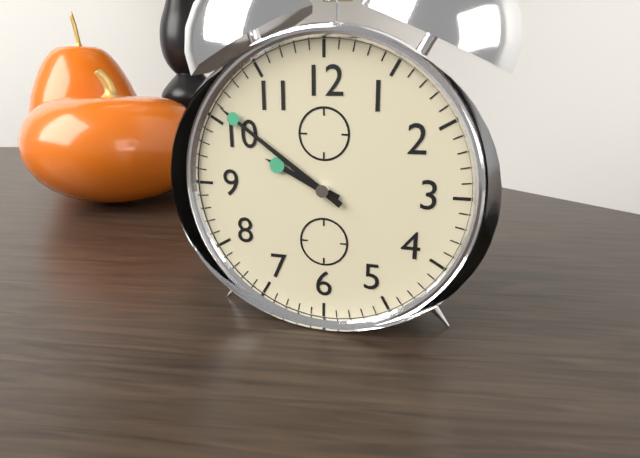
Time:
{"hour": 9, "minute": 51}
